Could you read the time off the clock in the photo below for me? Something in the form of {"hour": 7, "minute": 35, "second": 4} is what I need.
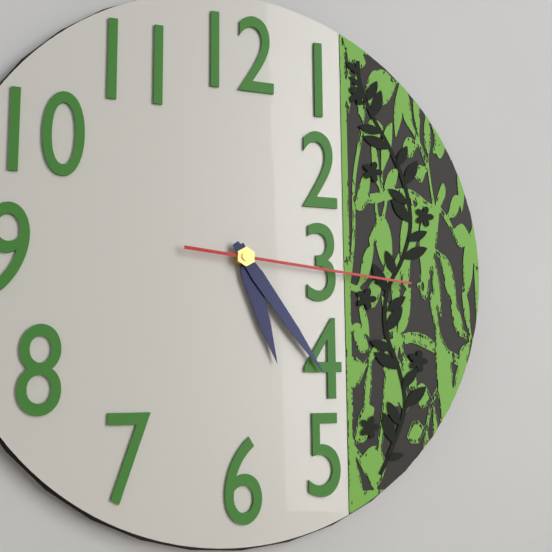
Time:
{"hour": 5, "minute": 24, "second": 16}
